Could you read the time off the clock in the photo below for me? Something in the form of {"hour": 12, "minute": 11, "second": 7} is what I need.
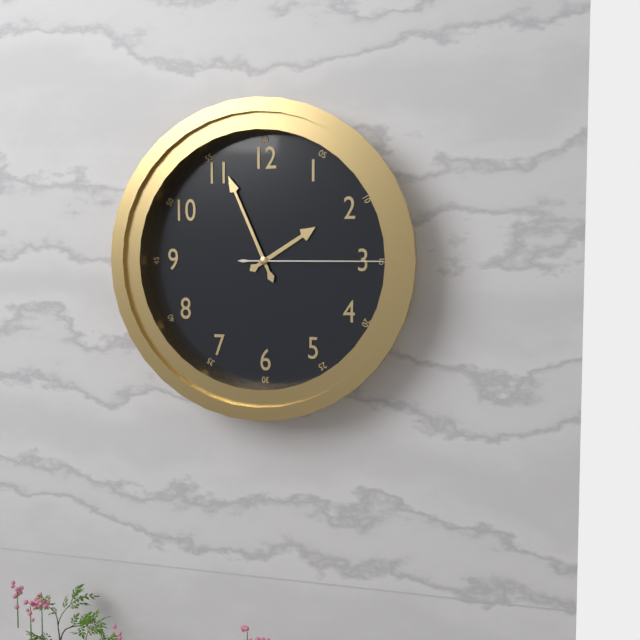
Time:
{"hour": 1, "minute": 56, "second": 15}
